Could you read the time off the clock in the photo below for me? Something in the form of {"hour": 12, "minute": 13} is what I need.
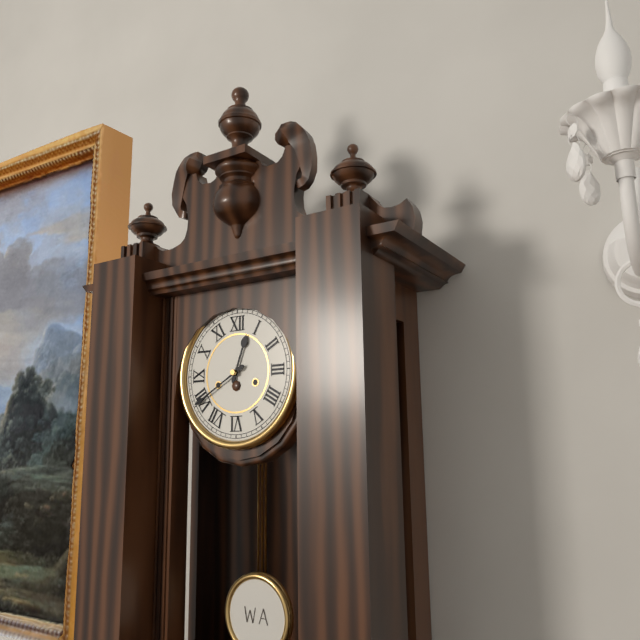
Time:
{"hour": 12, "minute": 40}
